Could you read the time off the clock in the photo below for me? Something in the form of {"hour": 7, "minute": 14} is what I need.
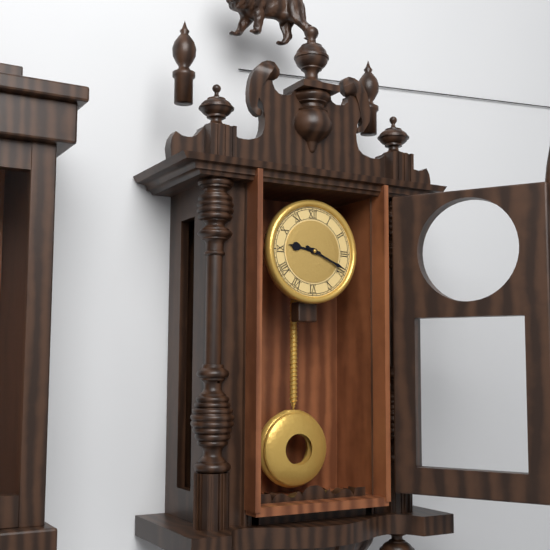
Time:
{"hour": 9, "minute": 19}
